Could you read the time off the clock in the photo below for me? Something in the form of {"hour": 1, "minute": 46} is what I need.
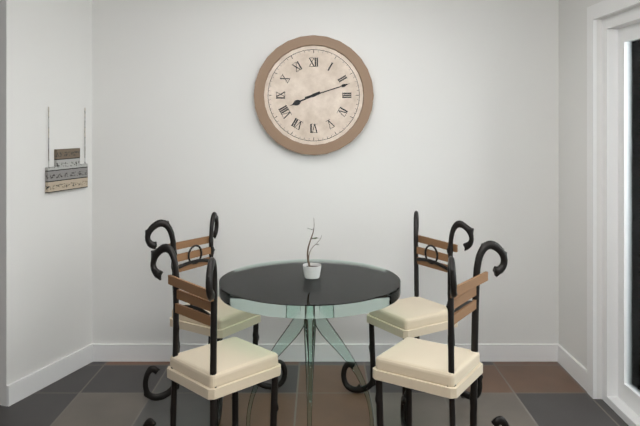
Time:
{"hour": 8, "minute": 12}
